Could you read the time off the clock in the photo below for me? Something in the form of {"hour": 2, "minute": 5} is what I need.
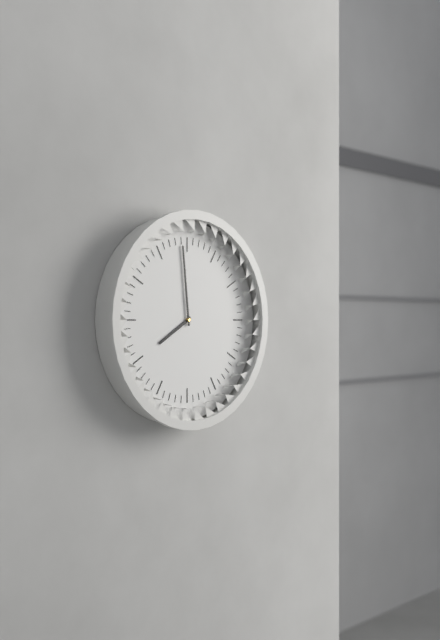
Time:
{"hour": 7, "minute": 59}
